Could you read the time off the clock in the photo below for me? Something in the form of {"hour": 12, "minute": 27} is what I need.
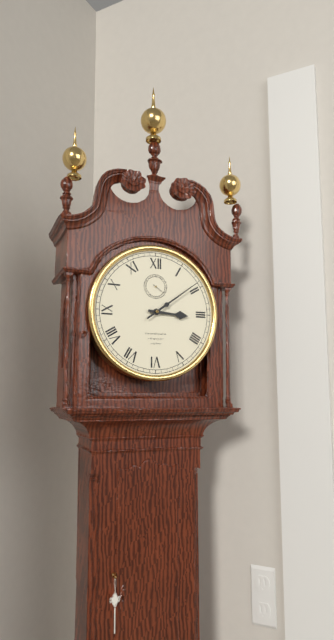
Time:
{"hour": 3, "minute": 9}
